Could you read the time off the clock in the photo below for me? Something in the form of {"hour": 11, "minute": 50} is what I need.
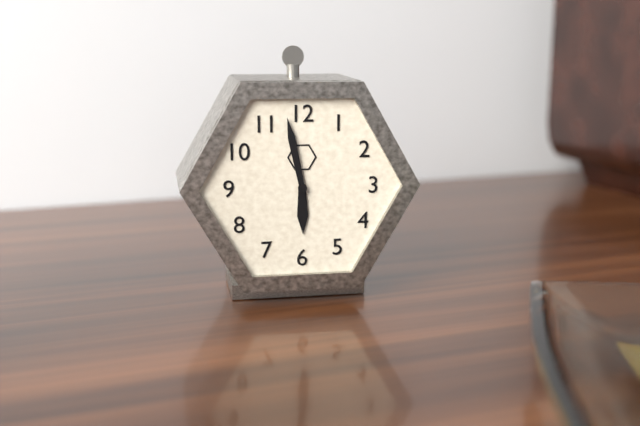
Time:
{"hour": 5, "minute": 58}
